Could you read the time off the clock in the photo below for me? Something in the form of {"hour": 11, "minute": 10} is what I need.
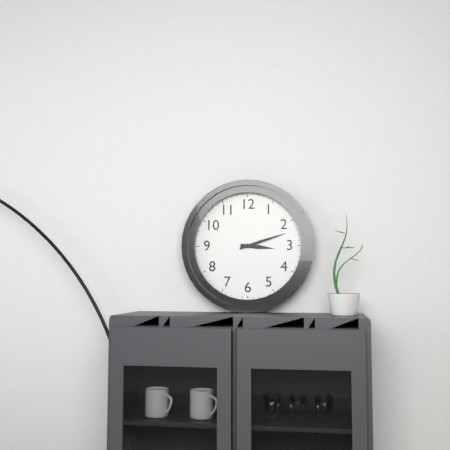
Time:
{"hour": 3, "minute": 12}
